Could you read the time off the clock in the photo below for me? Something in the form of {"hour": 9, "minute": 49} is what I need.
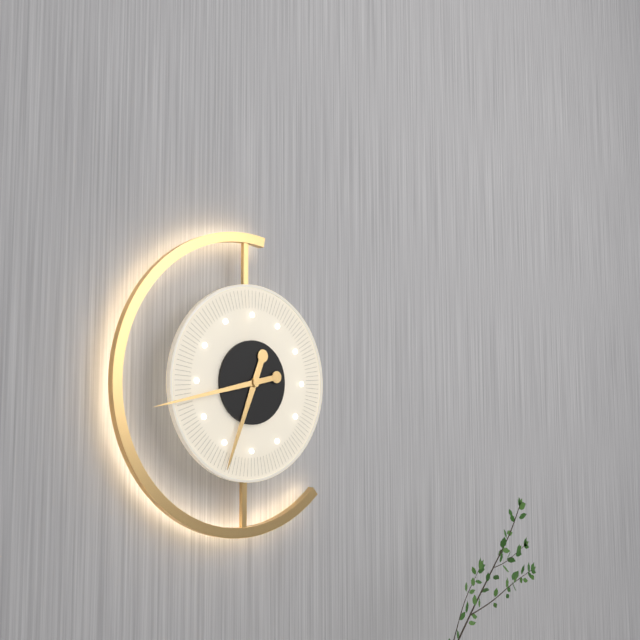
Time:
{"hour": 6, "minute": 43}
